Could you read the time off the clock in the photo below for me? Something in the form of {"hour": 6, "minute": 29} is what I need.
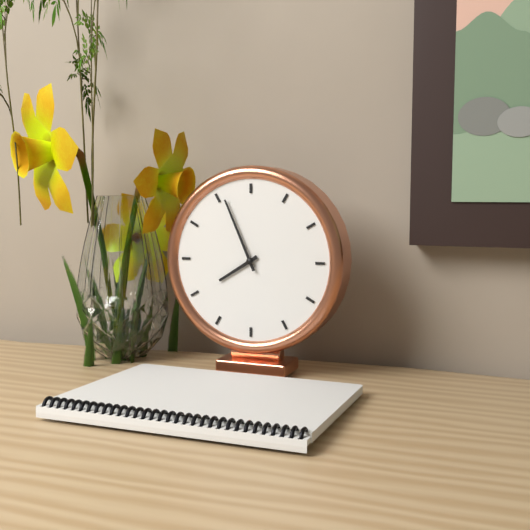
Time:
{"hour": 7, "minute": 56}
